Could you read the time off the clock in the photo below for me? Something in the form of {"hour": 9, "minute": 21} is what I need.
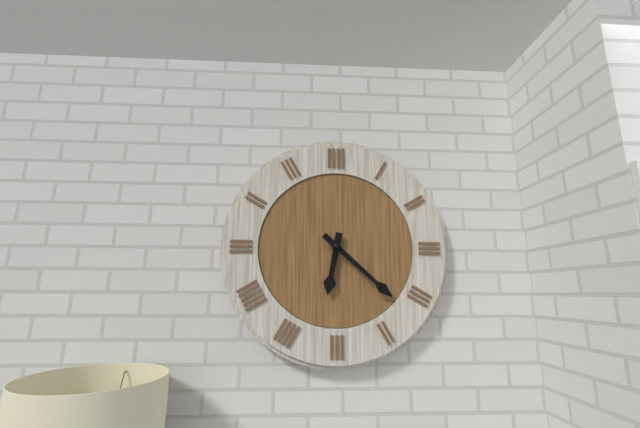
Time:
{"hour": 6, "minute": 22}
